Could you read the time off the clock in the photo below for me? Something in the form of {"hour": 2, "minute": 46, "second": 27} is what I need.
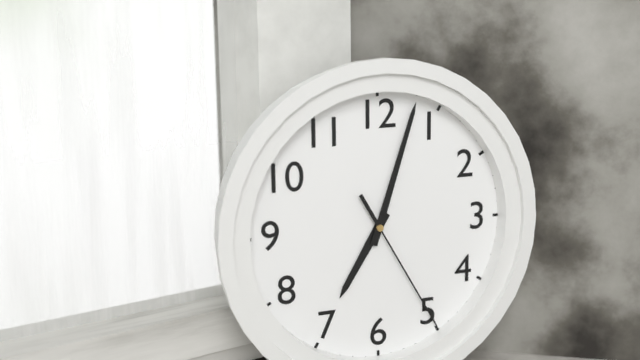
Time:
{"hour": 7, "minute": 3, "second": 25}
